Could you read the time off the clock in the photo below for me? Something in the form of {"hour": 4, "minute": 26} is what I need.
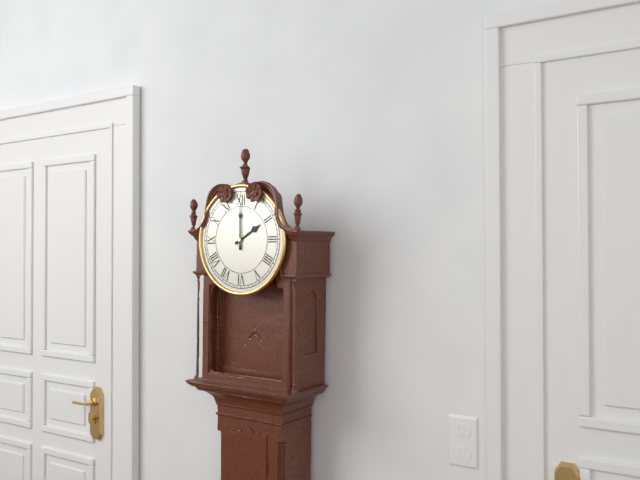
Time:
{"hour": 2, "minute": 0}
